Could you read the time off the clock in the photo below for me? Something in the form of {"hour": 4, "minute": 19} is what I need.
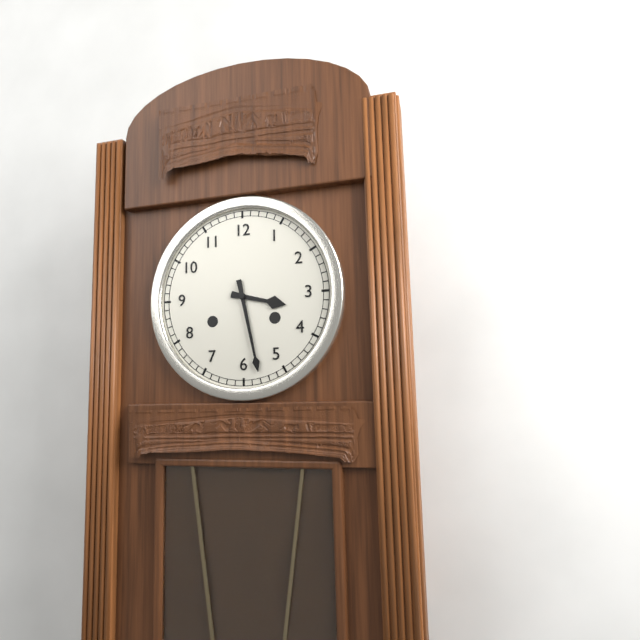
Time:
{"hour": 3, "minute": 28}
